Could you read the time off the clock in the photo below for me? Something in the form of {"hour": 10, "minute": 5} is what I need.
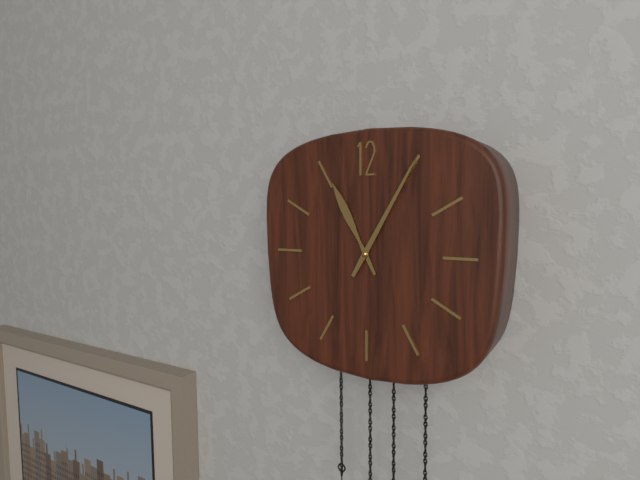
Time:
{"hour": 11, "minute": 5}
